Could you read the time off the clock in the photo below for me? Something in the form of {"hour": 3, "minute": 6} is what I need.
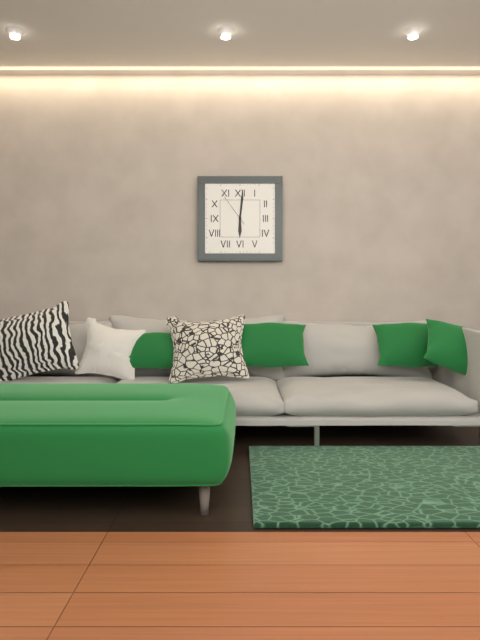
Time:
{"hour": 6, "minute": 1}
